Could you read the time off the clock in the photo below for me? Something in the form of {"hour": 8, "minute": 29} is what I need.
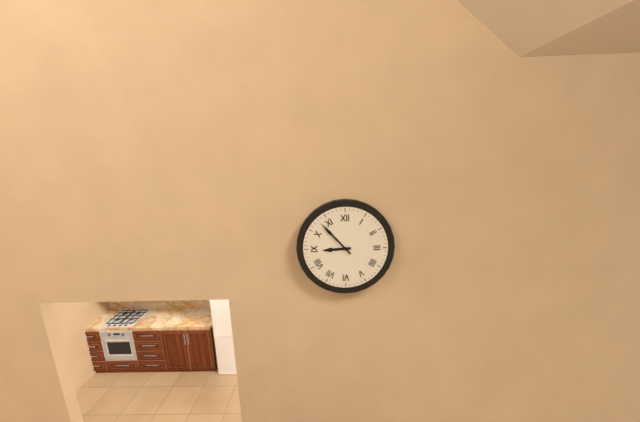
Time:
{"hour": 8, "minute": 53}
